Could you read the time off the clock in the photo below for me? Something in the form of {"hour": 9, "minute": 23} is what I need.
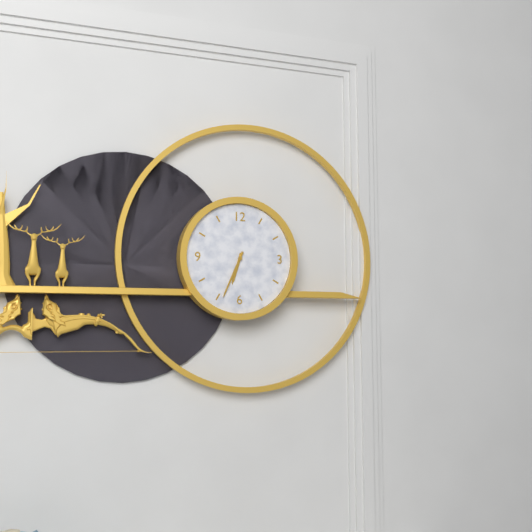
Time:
{"hour": 6, "minute": 34}
